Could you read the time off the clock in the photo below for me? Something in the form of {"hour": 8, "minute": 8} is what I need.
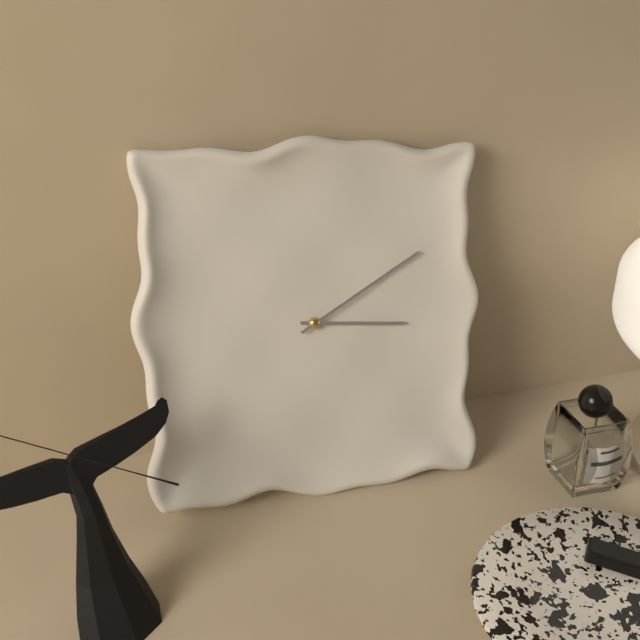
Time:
{"hour": 3, "minute": 10}
